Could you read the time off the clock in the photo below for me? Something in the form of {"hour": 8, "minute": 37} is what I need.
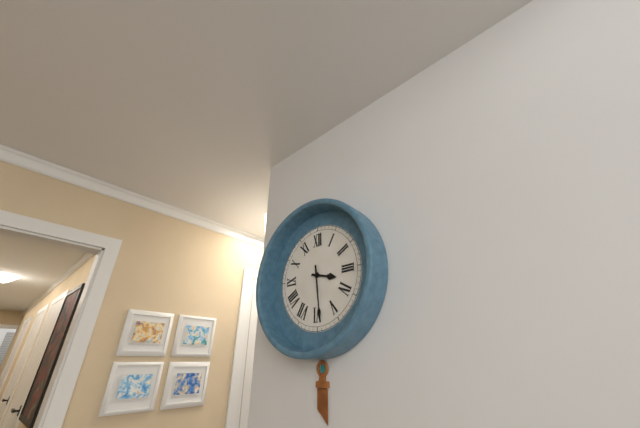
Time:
{"hour": 3, "minute": 29}
